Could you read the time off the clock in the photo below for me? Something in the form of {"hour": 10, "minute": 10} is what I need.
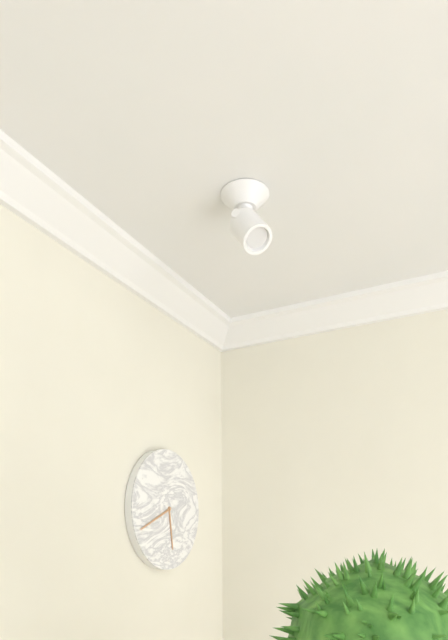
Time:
{"hour": 5, "minute": 41}
